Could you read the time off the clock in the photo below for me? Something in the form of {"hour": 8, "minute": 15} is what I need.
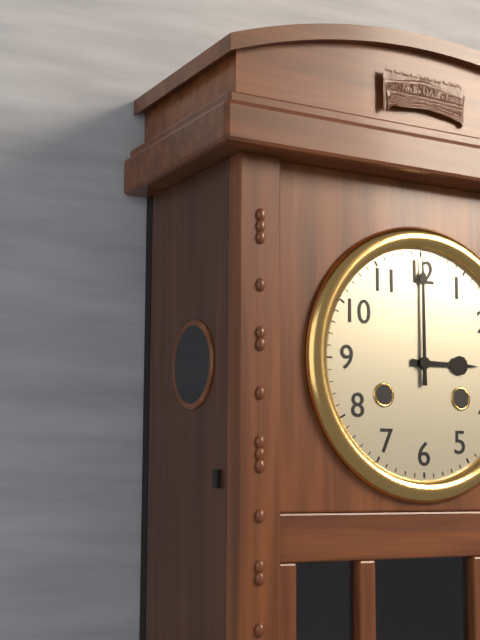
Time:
{"hour": 3, "minute": 0}
